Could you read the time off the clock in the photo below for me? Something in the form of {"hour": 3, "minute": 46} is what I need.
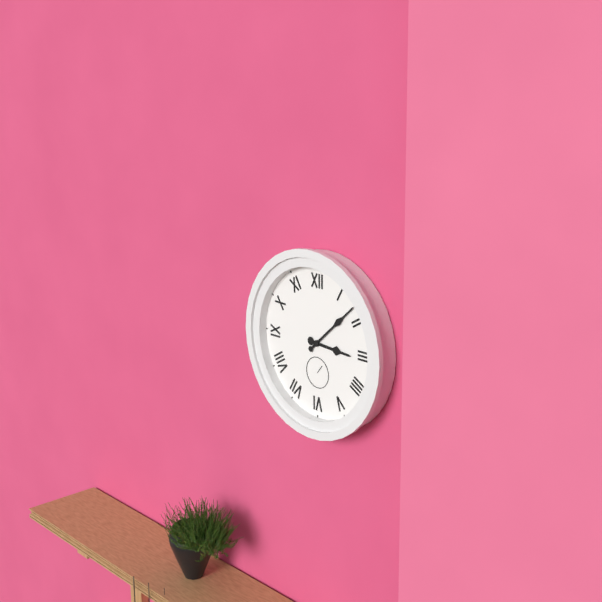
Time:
{"hour": 3, "minute": 8}
